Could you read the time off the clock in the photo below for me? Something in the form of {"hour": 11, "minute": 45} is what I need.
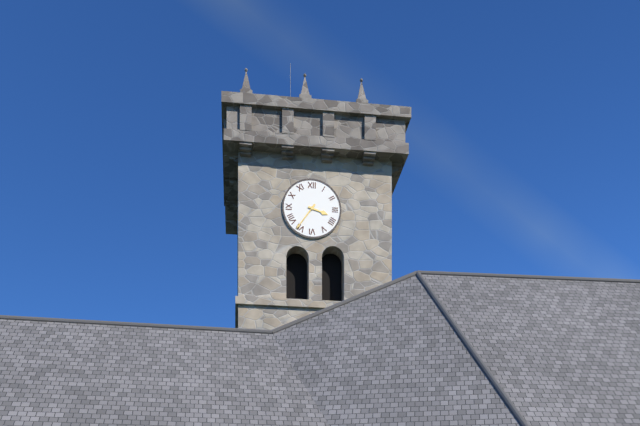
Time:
{"hour": 3, "minute": 36}
